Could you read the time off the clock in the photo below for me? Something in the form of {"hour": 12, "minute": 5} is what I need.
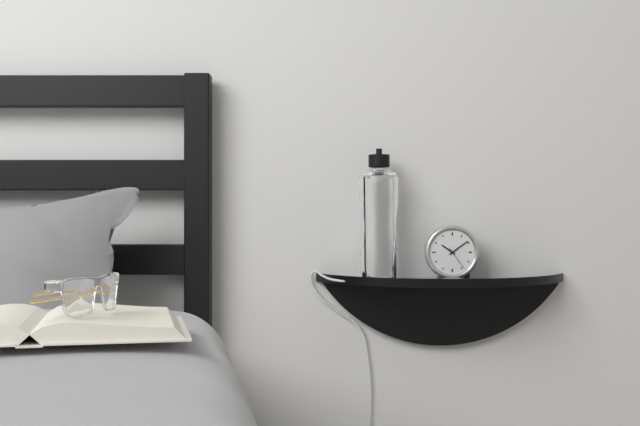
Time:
{"hour": 10, "minute": 9}
